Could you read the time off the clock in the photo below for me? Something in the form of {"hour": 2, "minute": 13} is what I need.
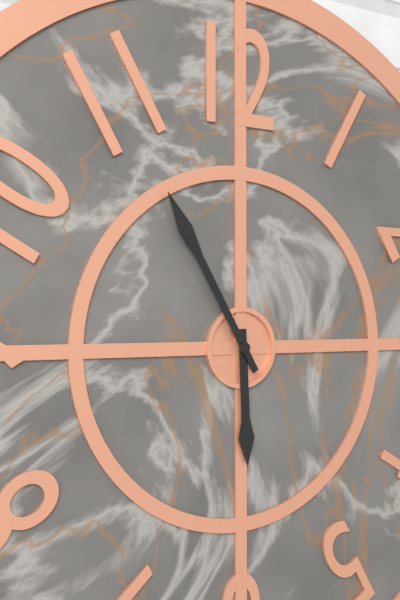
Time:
{"hour": 5, "minute": 55}
